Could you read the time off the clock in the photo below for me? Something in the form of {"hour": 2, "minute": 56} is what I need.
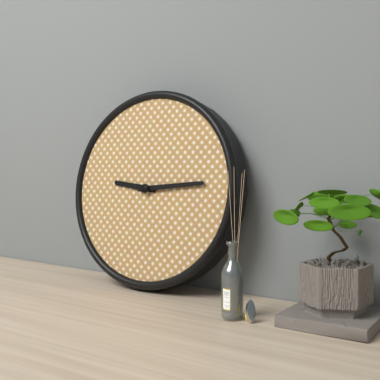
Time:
{"hour": 9, "minute": 14}
